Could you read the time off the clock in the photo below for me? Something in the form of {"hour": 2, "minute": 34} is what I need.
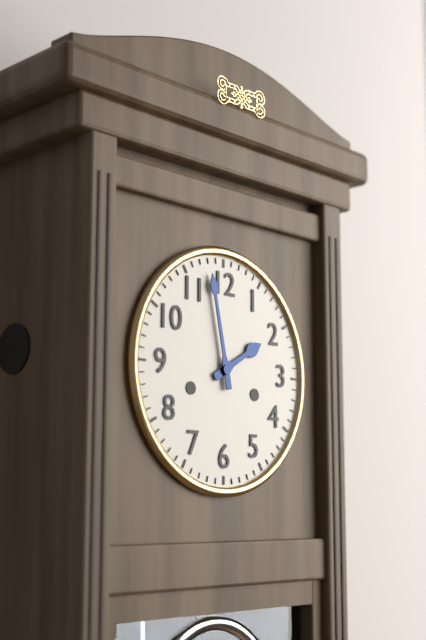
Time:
{"hour": 1, "minute": 58}
